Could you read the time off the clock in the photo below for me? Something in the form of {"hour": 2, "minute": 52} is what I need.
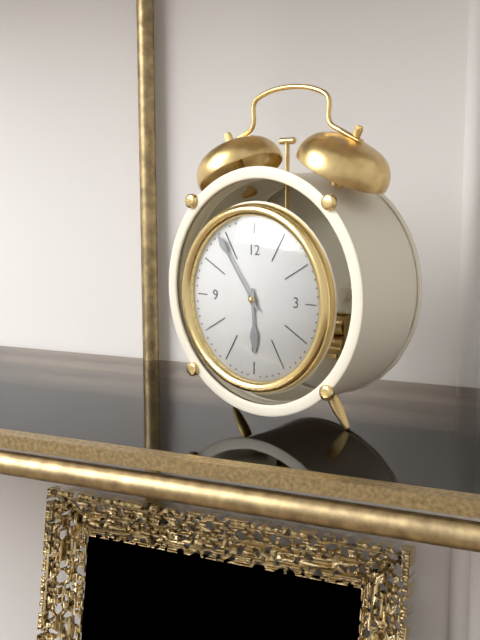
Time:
{"hour": 5, "minute": 54}
